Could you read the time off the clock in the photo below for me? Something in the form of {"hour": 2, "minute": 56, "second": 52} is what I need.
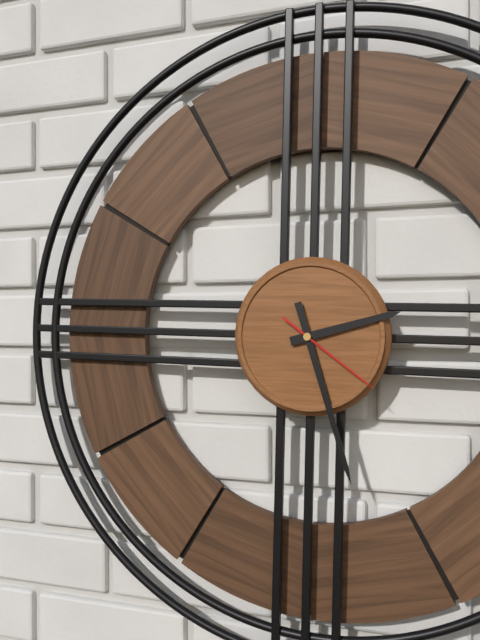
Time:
{"hour": 2, "minute": 27, "second": 21}
